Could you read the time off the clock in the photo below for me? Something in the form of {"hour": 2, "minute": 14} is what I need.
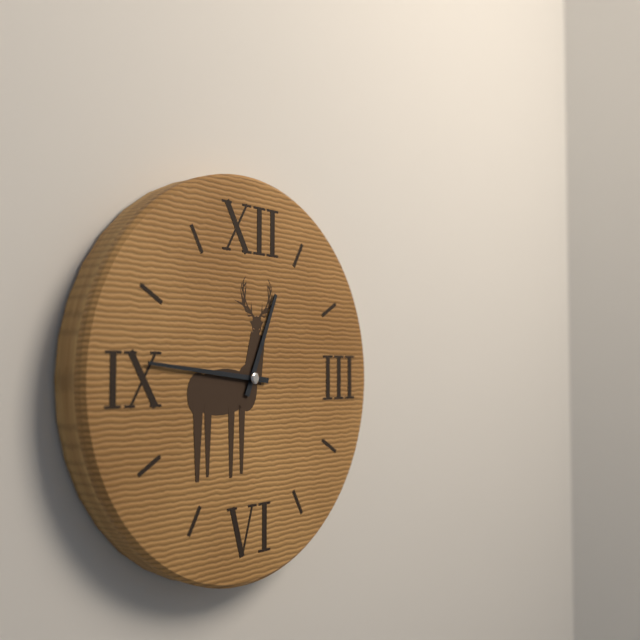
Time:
{"hour": 12, "minute": 46}
